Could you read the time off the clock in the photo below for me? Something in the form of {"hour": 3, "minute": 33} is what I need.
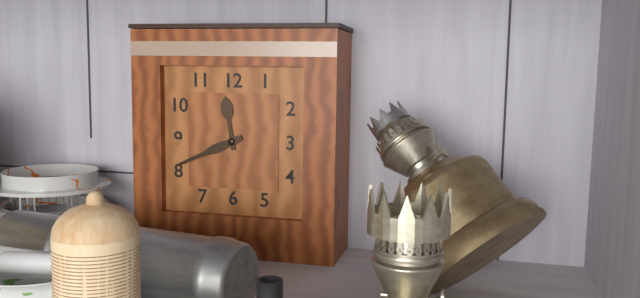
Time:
{"hour": 11, "minute": 41}
